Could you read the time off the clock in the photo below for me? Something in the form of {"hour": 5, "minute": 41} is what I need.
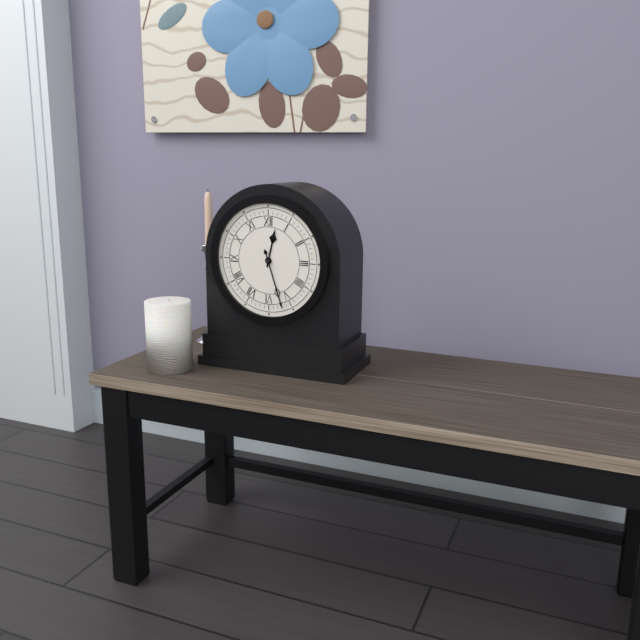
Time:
{"hour": 12, "minute": 27}
